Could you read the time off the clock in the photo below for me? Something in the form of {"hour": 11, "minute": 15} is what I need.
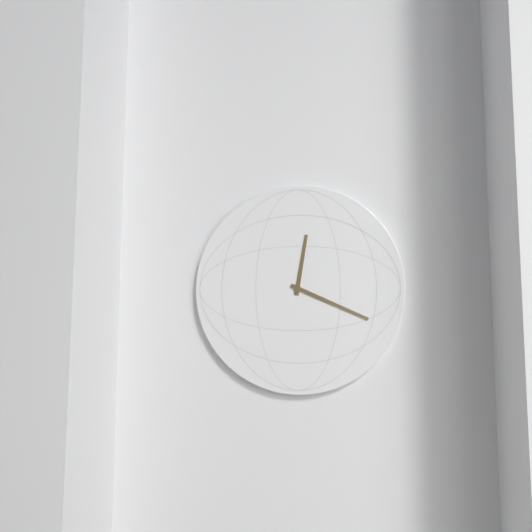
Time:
{"hour": 12, "minute": 19}
